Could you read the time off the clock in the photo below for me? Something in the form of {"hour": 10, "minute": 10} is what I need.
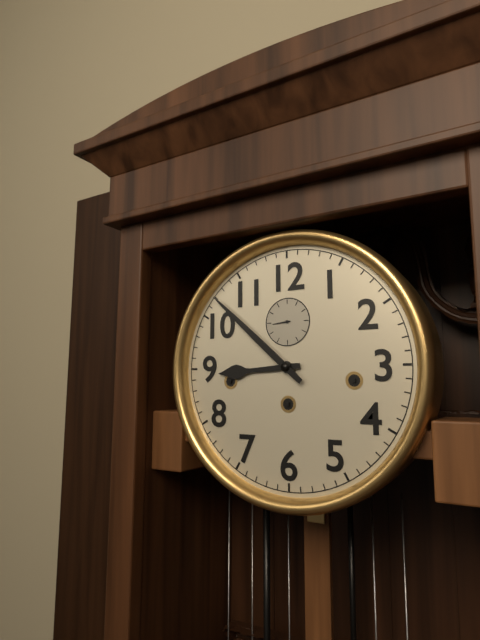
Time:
{"hour": 8, "minute": 52}
